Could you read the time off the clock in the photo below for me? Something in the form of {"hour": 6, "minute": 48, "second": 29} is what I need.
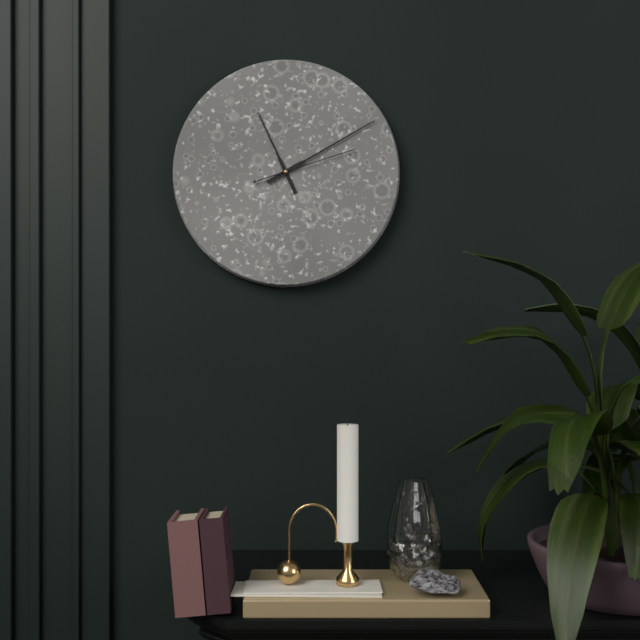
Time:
{"hour": 11, "minute": 10, "second": 12}
